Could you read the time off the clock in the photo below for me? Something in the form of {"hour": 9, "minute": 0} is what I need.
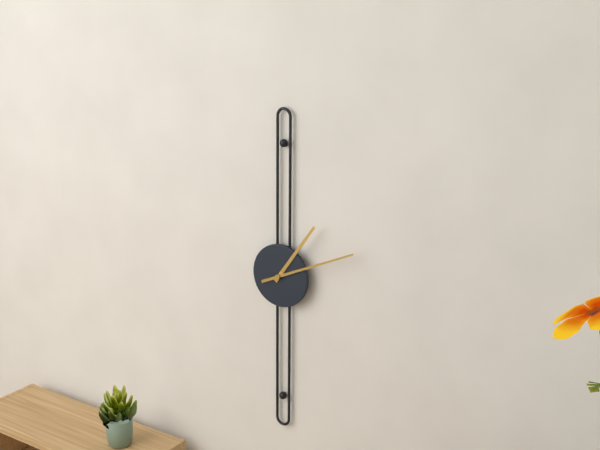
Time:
{"hour": 1, "minute": 11}
